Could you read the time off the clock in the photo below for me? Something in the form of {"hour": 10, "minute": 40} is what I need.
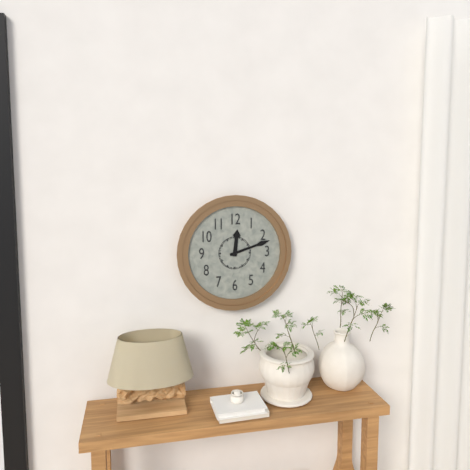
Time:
{"hour": 12, "minute": 12}
